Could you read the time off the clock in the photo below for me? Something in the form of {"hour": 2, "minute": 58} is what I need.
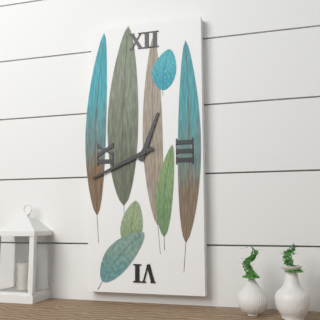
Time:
{"hour": 12, "minute": 41}
